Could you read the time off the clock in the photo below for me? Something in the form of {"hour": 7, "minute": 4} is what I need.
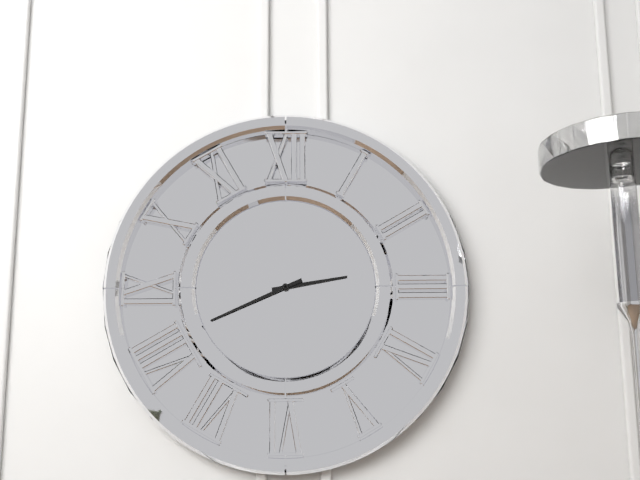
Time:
{"hour": 2, "minute": 41}
